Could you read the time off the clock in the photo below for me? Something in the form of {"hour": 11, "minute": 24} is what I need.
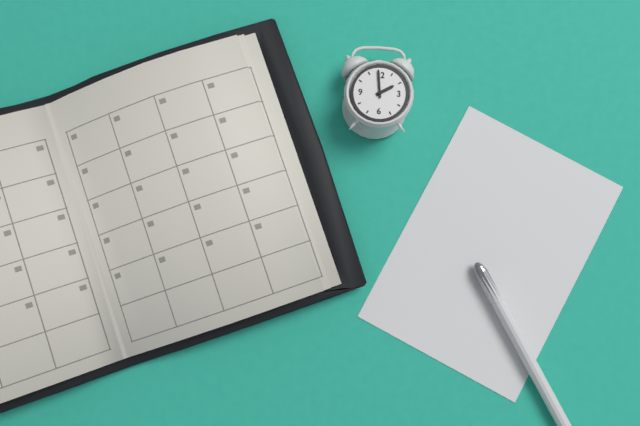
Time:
{"hour": 1, "minute": 59}
